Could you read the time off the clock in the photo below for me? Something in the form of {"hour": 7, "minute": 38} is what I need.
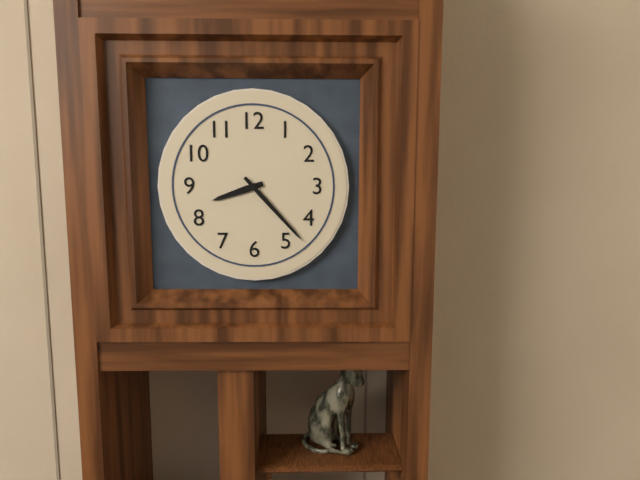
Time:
{"hour": 8, "minute": 23}
